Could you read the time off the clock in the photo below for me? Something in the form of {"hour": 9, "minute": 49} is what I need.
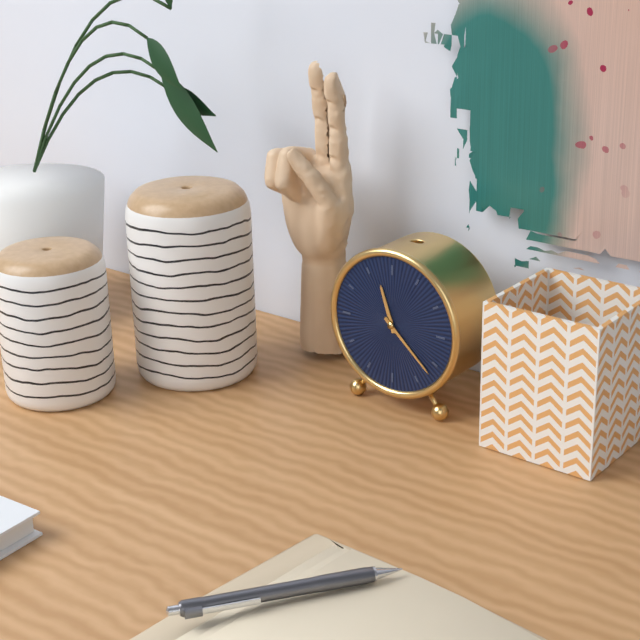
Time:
{"hour": 11, "minute": 22}
